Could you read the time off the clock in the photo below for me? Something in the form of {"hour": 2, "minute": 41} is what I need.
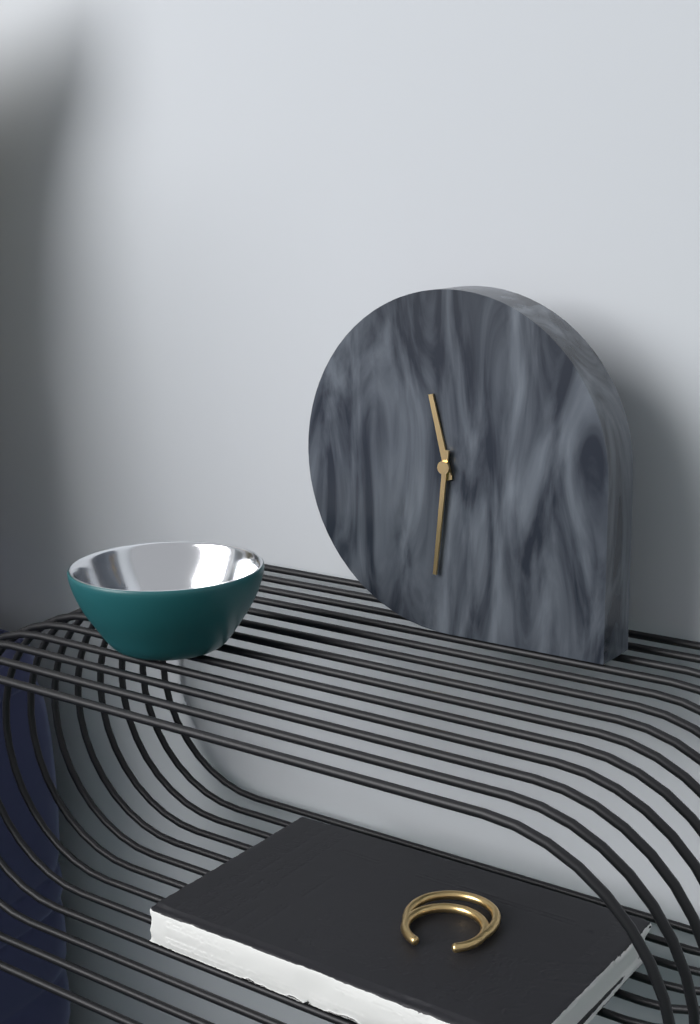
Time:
{"hour": 11, "minute": 31}
